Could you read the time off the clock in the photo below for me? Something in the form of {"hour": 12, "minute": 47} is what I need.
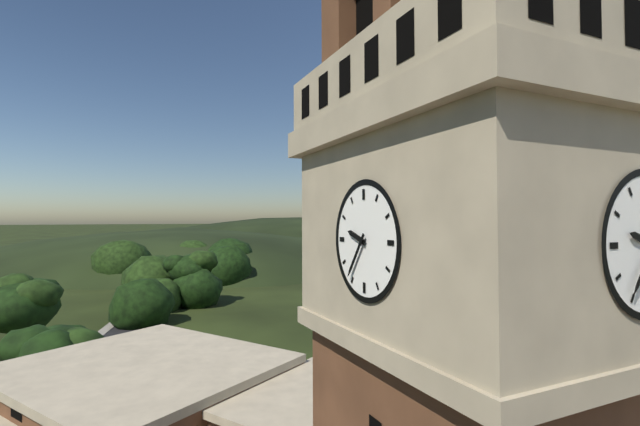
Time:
{"hour": 9, "minute": 36}
